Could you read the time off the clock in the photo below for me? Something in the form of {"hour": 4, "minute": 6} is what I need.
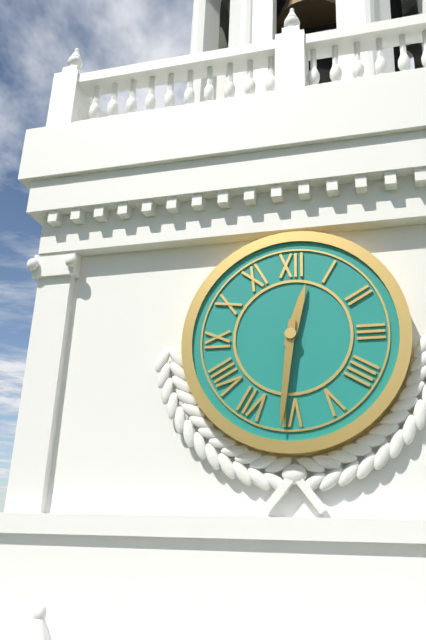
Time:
{"hour": 12, "minute": 31}
